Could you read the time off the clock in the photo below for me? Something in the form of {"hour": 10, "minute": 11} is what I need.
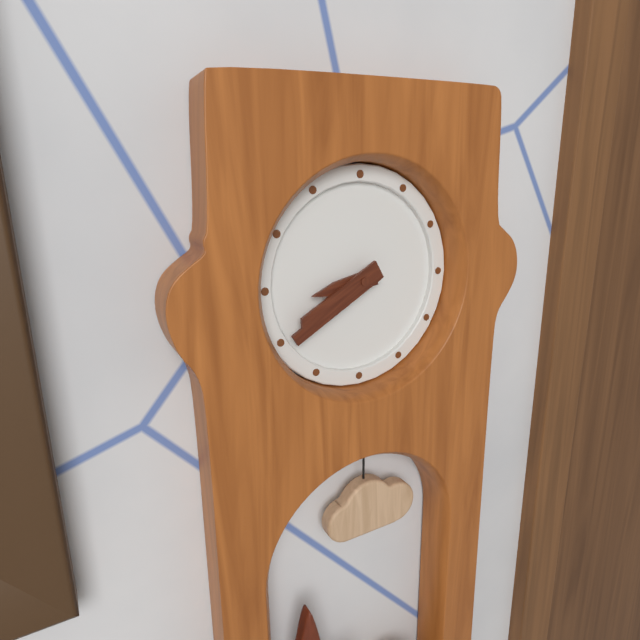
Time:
{"hour": 8, "minute": 40}
